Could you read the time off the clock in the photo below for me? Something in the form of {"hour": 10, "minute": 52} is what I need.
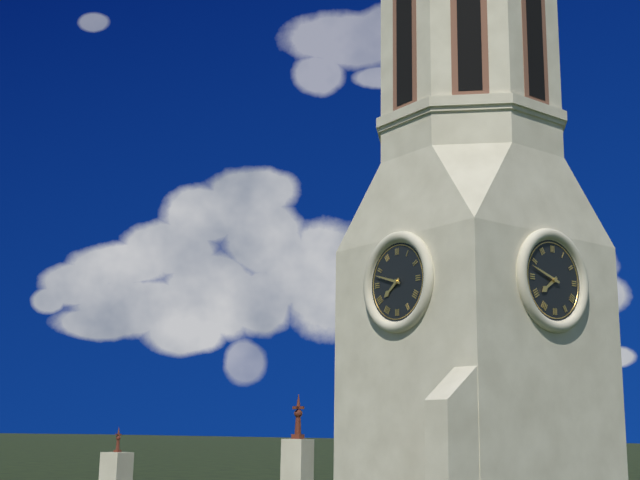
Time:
{"hour": 7, "minute": 48}
